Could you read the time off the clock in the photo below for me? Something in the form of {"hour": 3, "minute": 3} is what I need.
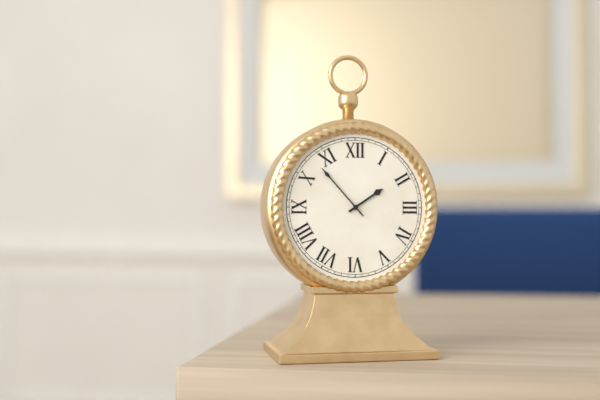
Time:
{"hour": 1, "minute": 53}
